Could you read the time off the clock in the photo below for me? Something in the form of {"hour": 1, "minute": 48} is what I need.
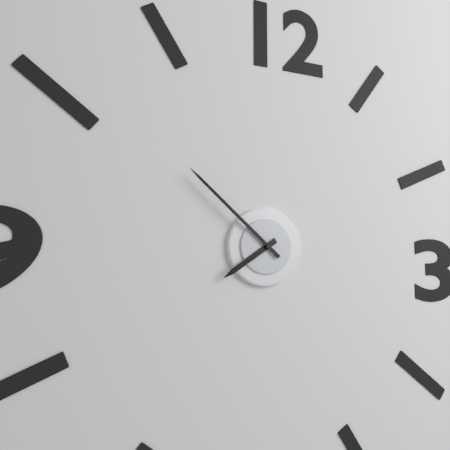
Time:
{"hour": 7, "minute": 52}
